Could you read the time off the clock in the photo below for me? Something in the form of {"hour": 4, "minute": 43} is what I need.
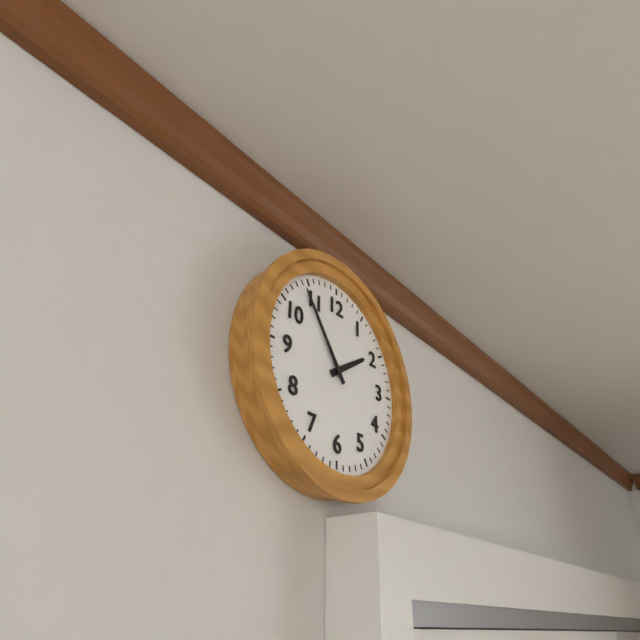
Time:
{"hour": 1, "minute": 54}
